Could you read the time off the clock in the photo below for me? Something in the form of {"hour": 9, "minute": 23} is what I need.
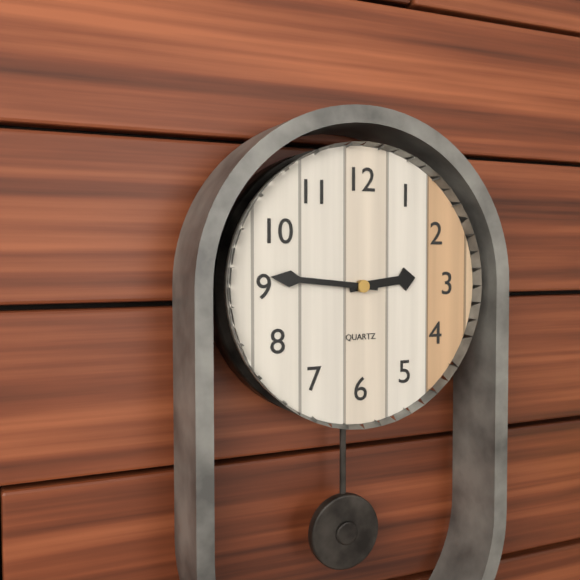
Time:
{"hour": 2, "minute": 46}
